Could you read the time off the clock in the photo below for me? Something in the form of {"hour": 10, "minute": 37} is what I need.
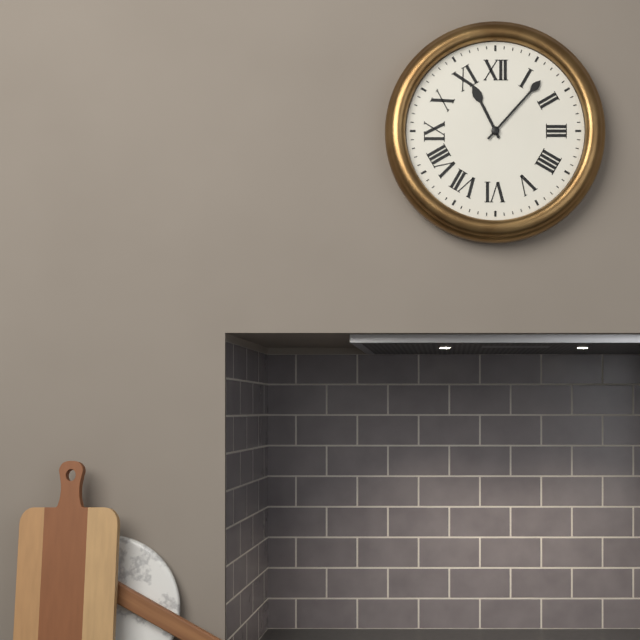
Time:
{"hour": 11, "minute": 7}
